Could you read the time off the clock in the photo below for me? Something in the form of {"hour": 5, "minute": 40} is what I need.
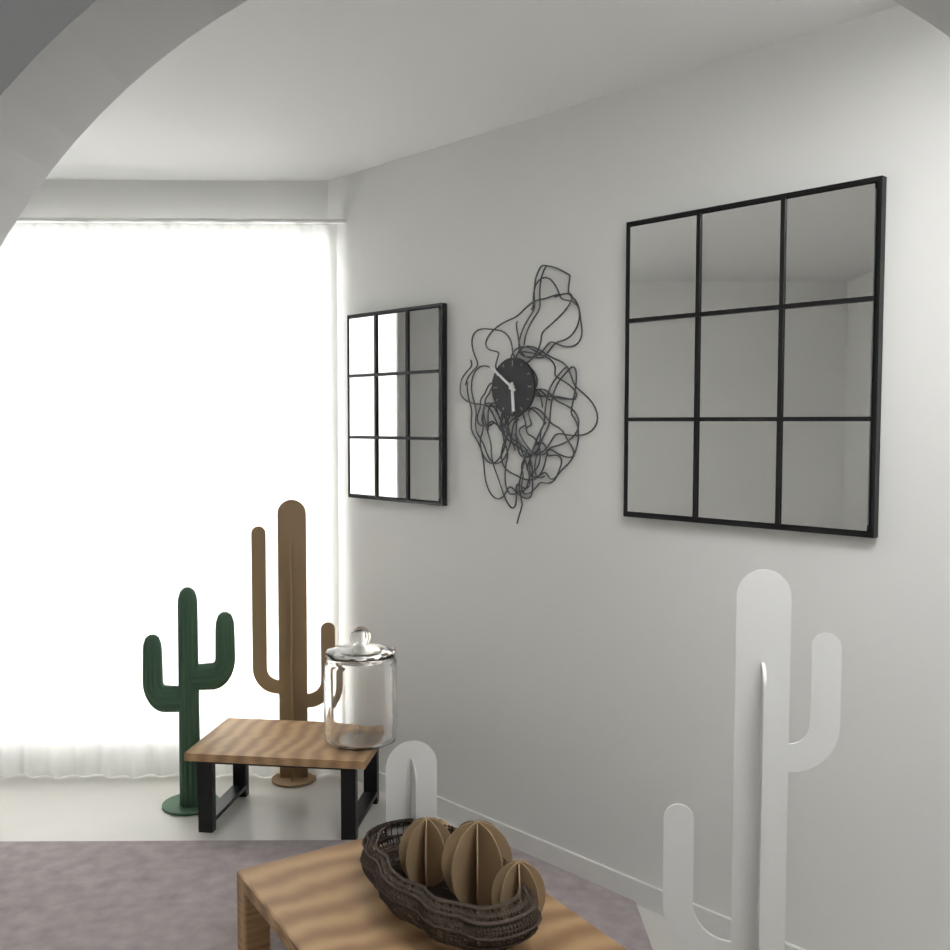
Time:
{"hour": 5, "minute": 51}
